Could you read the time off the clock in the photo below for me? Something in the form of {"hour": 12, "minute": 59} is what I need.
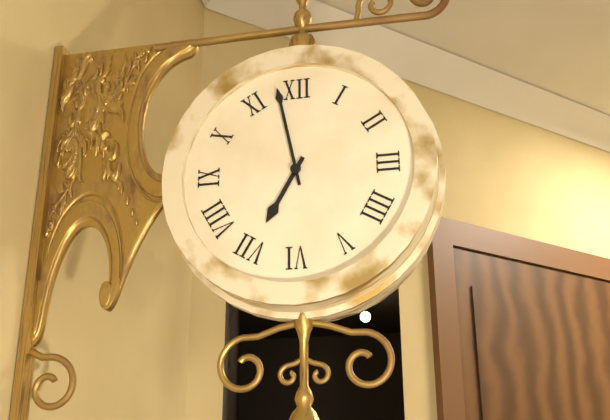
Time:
{"hour": 6, "minute": 58}
